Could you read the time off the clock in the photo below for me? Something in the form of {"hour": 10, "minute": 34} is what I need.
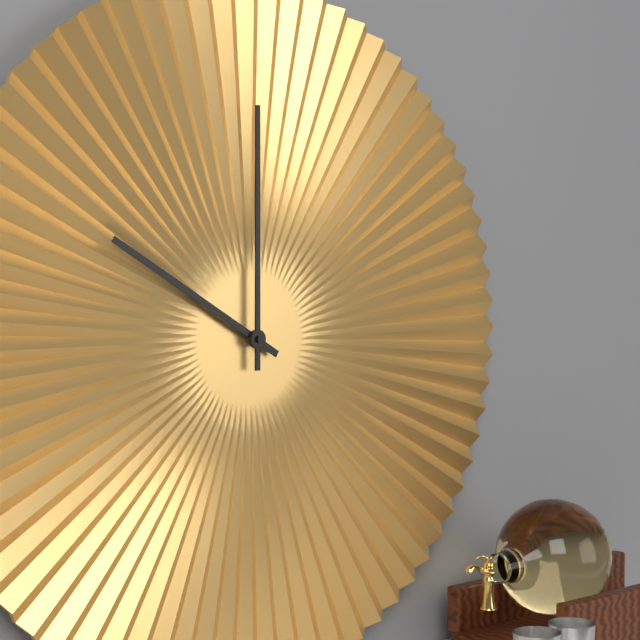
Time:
{"hour": 10, "minute": 0}
